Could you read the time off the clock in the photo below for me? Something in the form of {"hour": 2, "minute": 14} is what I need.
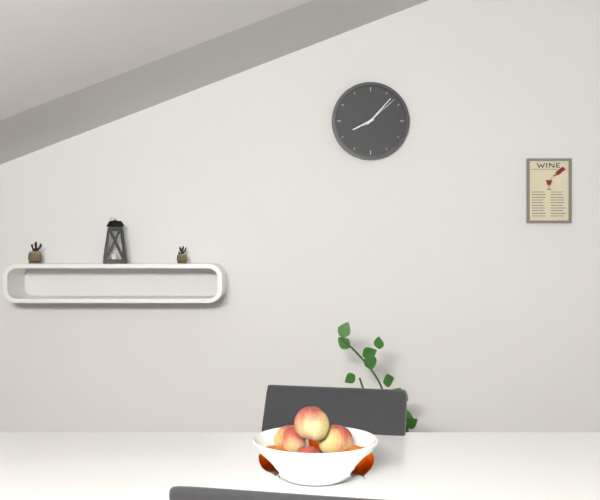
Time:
{"hour": 8, "minute": 7}
